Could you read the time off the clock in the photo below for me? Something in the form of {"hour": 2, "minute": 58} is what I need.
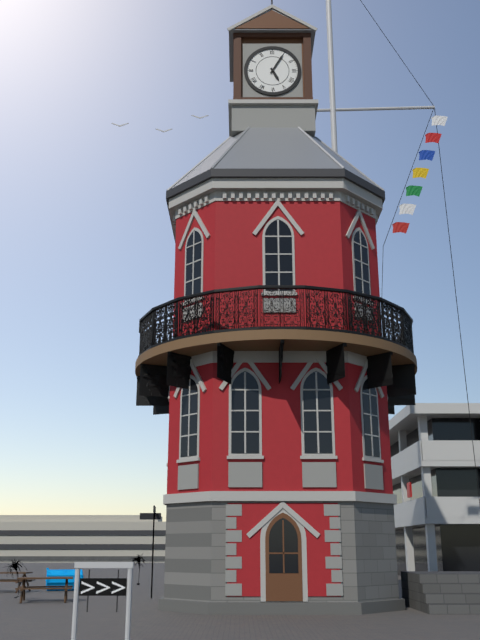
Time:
{"hour": 5, "minute": 5}
